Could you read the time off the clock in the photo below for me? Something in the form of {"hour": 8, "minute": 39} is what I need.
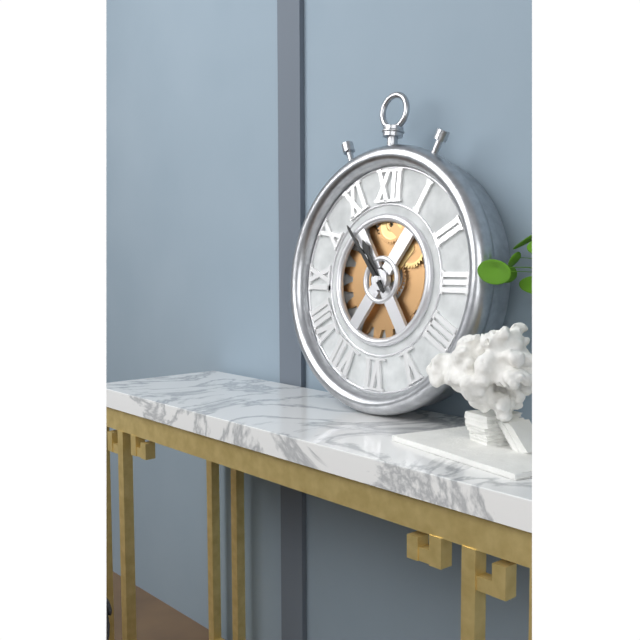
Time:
{"hour": 10, "minute": 53}
